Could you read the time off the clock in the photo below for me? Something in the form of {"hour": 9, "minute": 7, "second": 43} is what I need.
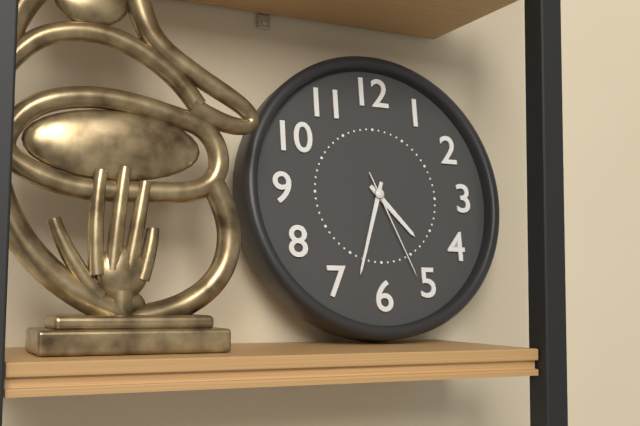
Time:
{"hour": 4, "minute": 33, "second": 26}
